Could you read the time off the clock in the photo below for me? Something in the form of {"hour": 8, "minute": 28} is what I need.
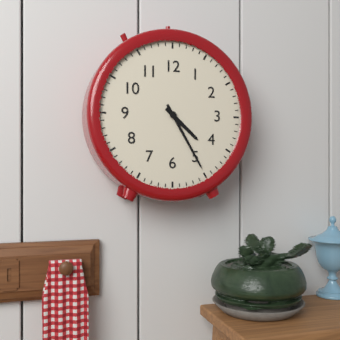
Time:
{"hour": 4, "minute": 25}
